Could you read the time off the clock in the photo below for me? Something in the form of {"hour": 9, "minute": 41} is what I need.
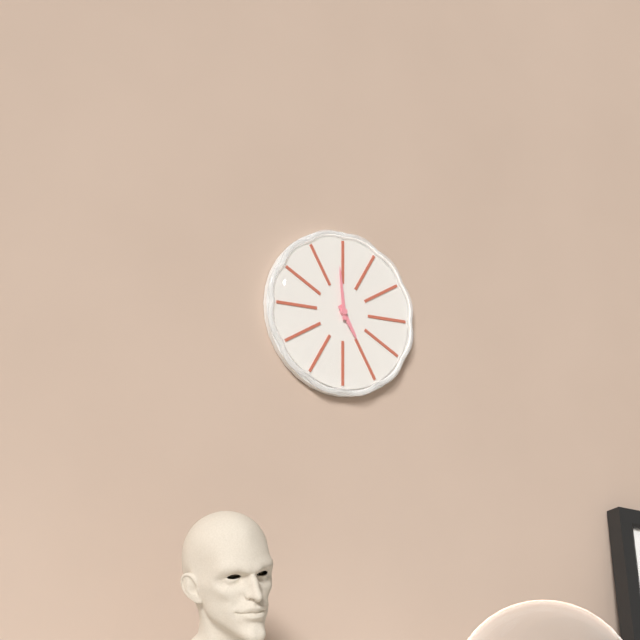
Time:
{"hour": 4, "minute": 59}
